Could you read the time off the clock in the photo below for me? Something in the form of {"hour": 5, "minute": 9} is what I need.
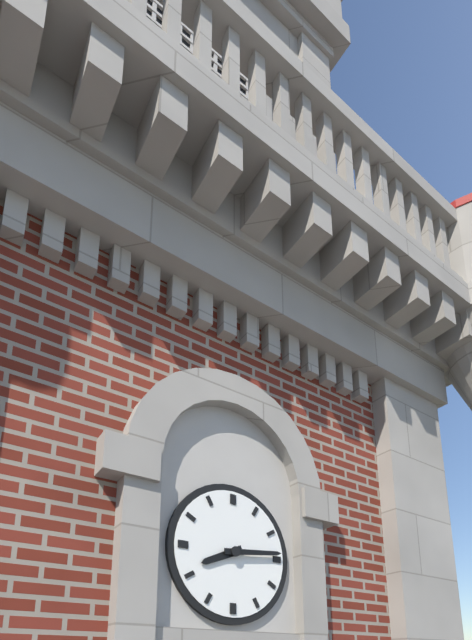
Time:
{"hour": 8, "minute": 14}
